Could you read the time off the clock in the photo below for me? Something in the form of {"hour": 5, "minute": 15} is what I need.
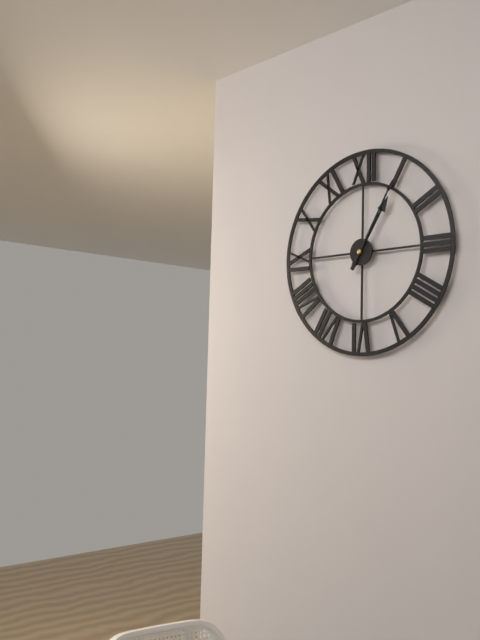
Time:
{"hour": 1, "minute": 5}
